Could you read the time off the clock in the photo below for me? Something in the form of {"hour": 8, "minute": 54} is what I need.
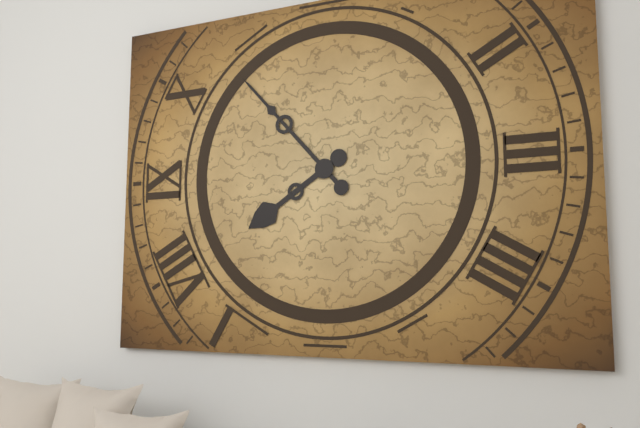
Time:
{"hour": 7, "minute": 53}
